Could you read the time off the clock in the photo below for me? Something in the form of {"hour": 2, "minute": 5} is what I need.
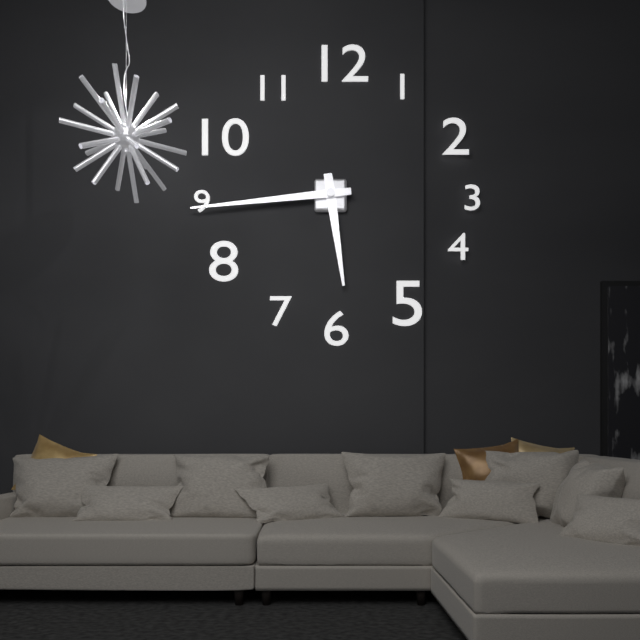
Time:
{"hour": 5, "minute": 44}
